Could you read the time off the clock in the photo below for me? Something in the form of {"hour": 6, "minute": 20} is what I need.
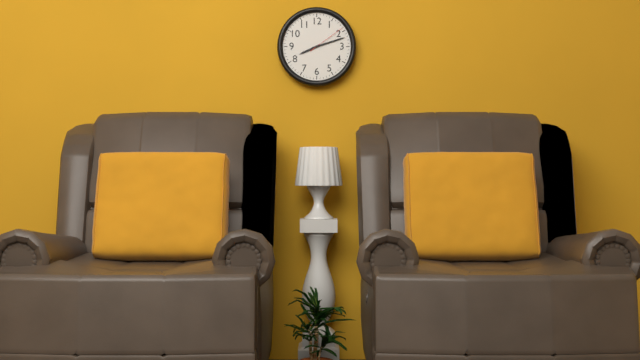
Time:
{"hour": 8, "minute": 12}
